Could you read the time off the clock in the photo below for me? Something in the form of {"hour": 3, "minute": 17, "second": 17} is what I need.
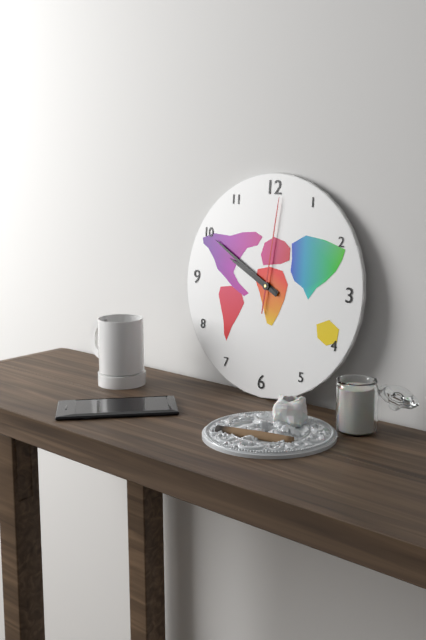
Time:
{"hour": 9, "minute": 50, "second": 1}
